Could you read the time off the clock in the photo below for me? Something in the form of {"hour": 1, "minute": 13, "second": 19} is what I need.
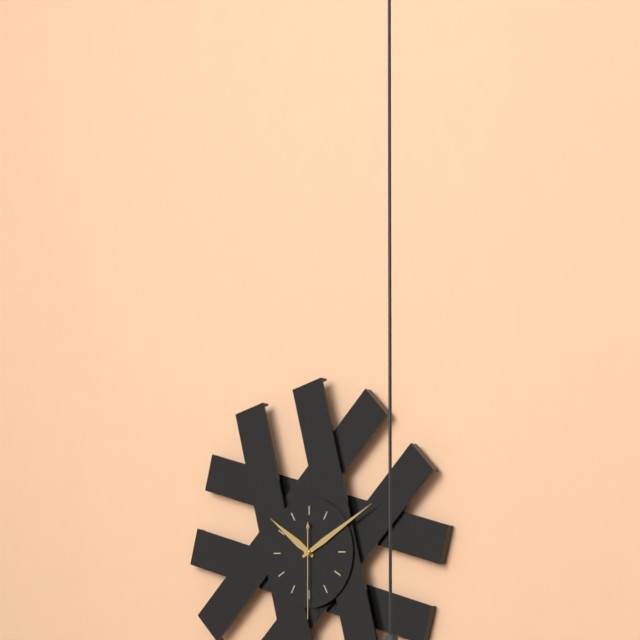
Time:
{"hour": 10, "minute": 10, "second": 30}
